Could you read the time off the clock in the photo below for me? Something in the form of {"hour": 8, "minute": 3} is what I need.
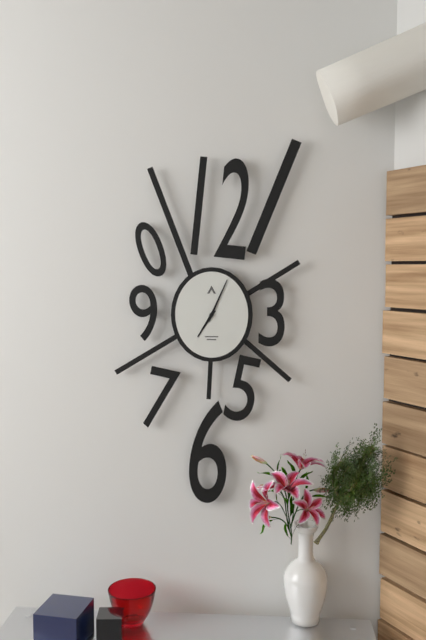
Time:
{"hour": 7, "minute": 4}
